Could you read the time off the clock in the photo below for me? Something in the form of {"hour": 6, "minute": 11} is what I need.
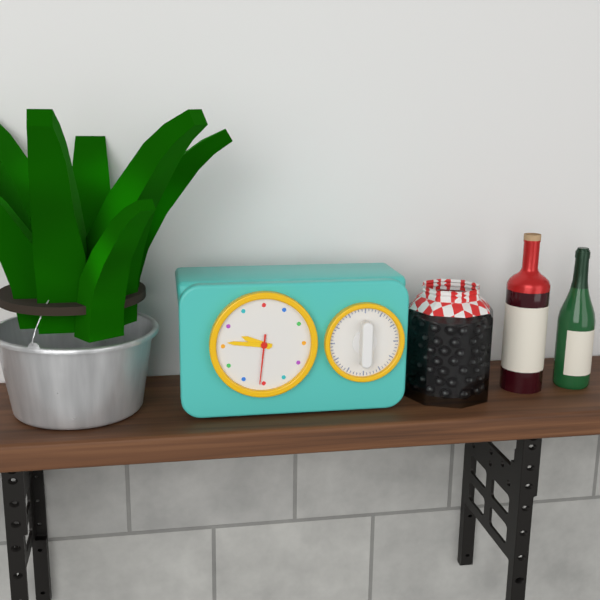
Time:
{"hour": 9, "minute": 46}
